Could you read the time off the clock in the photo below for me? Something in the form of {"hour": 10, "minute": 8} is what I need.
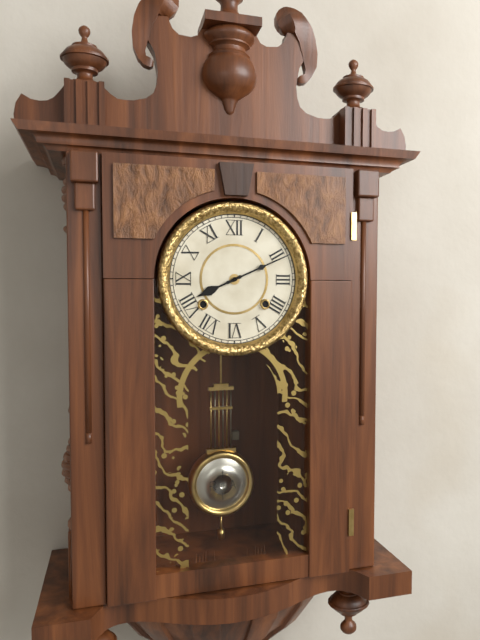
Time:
{"hour": 8, "minute": 11}
